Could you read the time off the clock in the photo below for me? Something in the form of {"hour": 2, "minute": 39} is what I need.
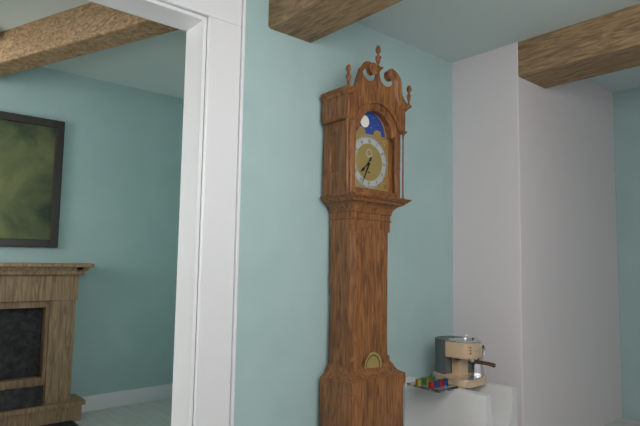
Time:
{"hour": 7, "minute": 34}
